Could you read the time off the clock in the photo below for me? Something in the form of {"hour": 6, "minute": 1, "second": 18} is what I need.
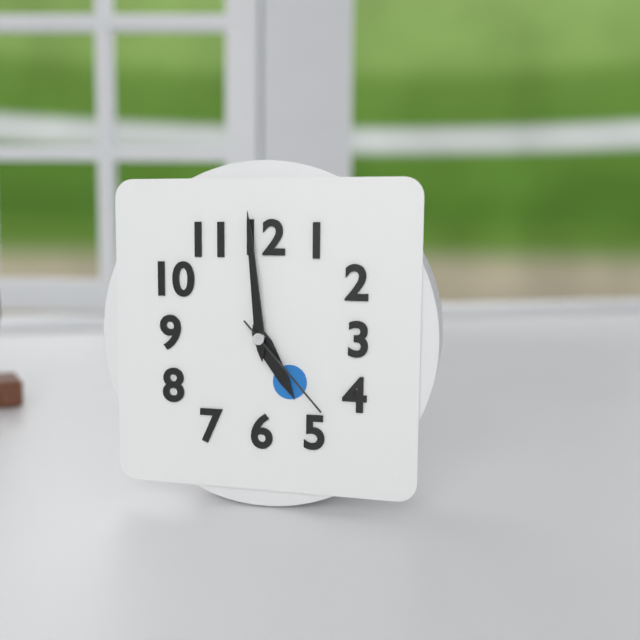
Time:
{"hour": 4, "minute": 59, "second": 23}
